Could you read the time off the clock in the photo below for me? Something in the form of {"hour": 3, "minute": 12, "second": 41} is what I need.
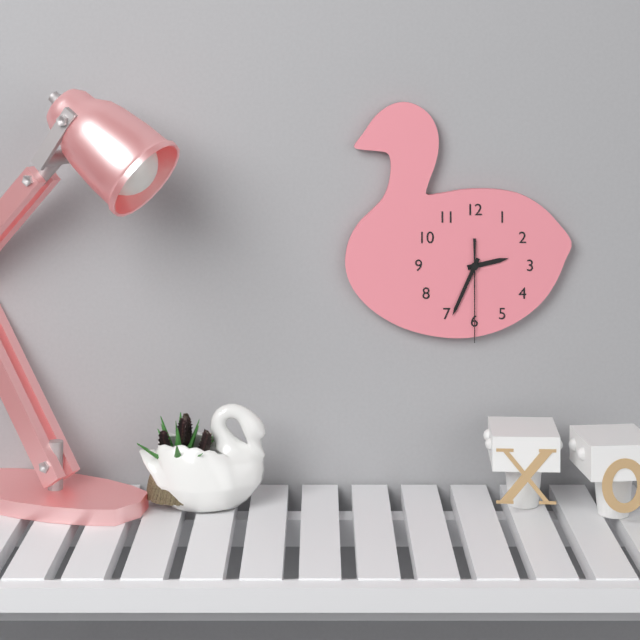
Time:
{"hour": 2, "minute": 34, "second": 30}
